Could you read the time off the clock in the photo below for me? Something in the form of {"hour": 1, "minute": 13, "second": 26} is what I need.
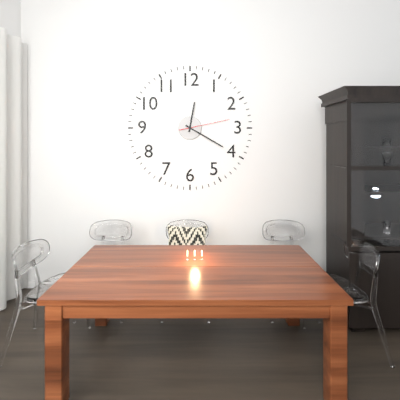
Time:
{"hour": 12, "minute": 20, "second": 13}
